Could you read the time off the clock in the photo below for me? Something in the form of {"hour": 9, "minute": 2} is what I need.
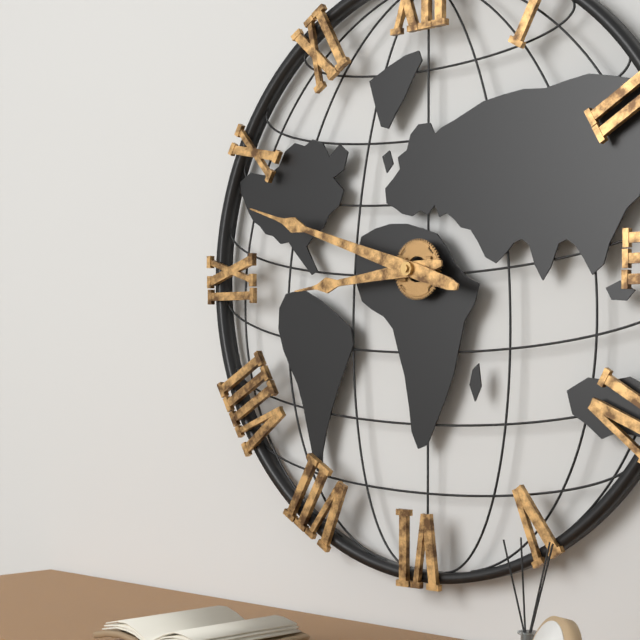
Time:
{"hour": 8, "minute": 48}
